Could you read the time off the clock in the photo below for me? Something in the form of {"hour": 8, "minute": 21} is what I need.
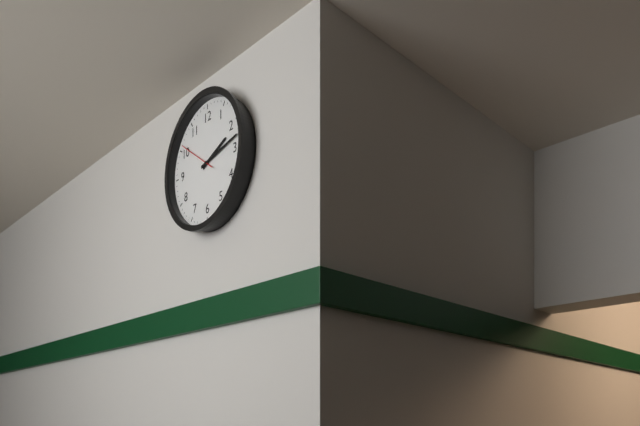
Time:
{"hour": 2, "minute": 13}
